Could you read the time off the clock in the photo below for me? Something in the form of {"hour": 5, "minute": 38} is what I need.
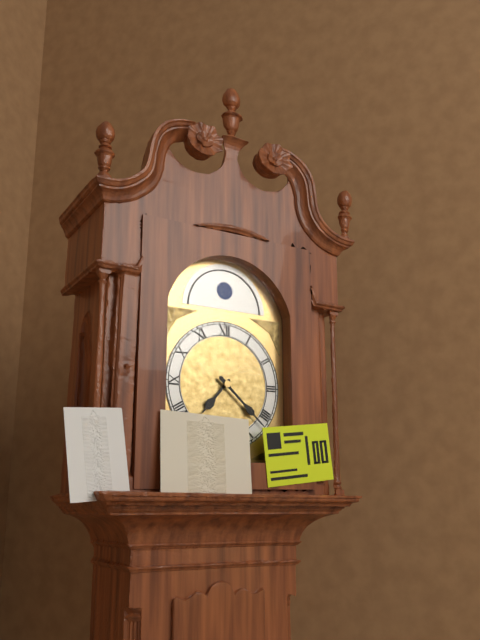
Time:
{"hour": 7, "minute": 22}
